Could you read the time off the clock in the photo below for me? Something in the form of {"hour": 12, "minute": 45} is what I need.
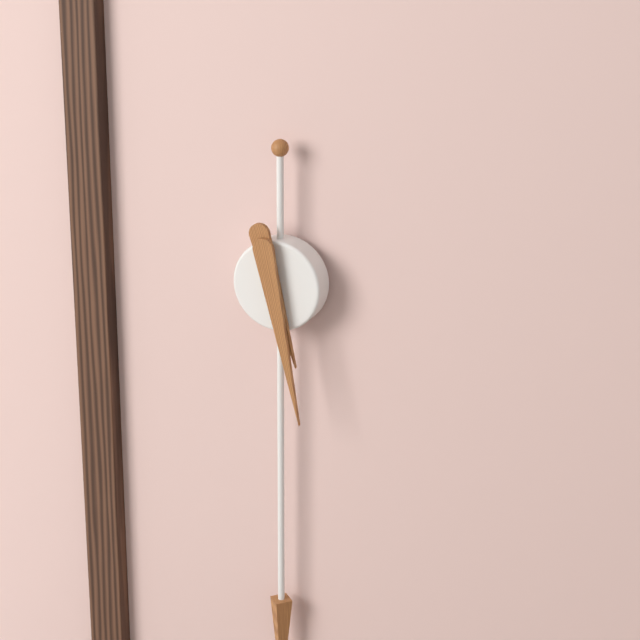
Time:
{"hour": 5, "minute": 28}
